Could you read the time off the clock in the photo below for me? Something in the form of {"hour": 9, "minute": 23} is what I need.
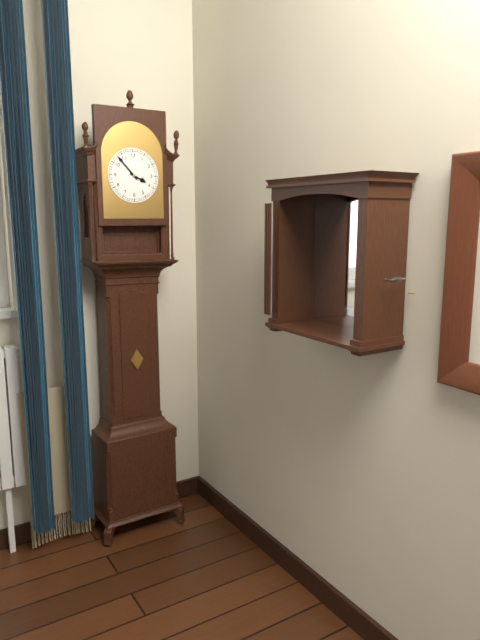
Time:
{"hour": 3, "minute": 53}
